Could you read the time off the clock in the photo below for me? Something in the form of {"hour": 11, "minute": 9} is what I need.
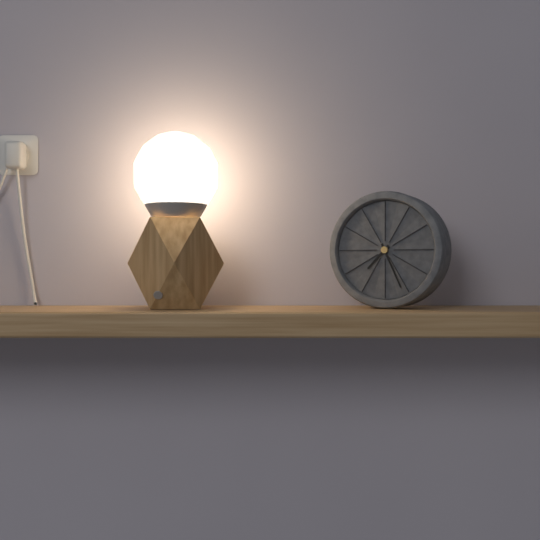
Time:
{"hour": 7, "minute": 26}
